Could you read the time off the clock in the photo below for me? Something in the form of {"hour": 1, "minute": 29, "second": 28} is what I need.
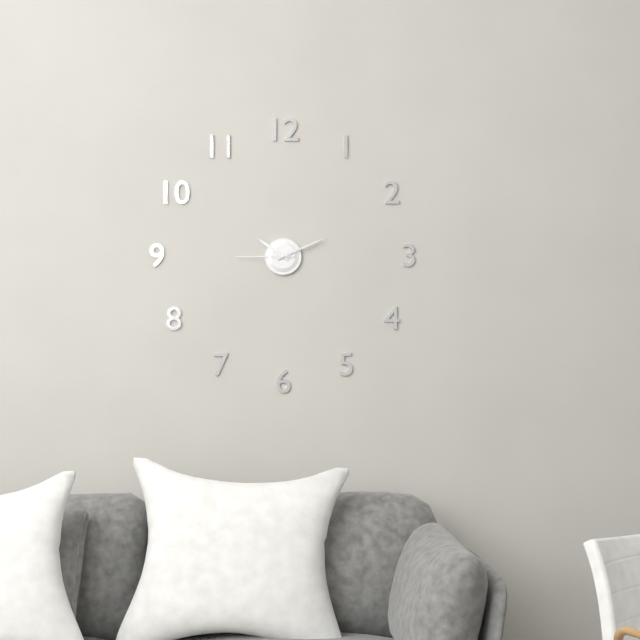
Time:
{"hour": 10, "minute": 11, "second": 45}
